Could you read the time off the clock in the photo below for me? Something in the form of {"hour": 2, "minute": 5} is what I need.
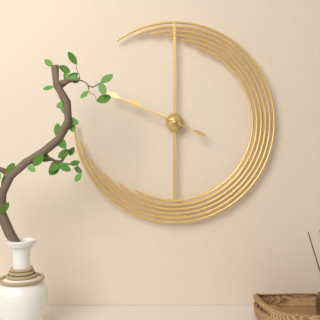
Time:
{"hour": 9, "minute": 49}
